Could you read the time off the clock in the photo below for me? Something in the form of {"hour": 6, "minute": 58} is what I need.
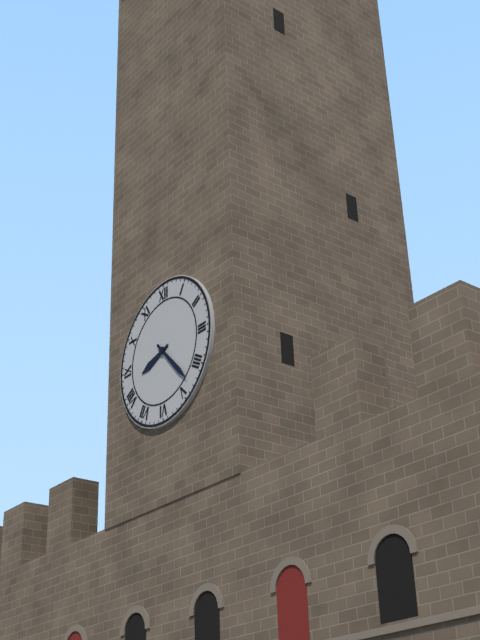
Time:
{"hour": 8, "minute": 23}
